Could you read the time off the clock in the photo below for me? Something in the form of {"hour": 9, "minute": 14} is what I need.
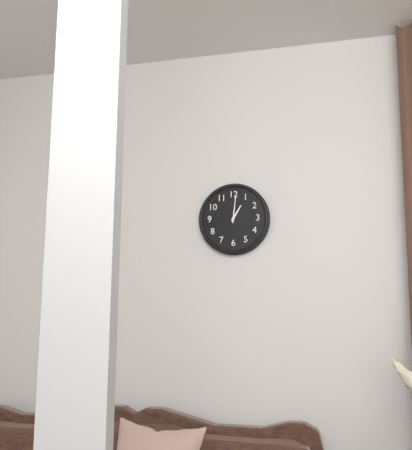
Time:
{"hour": 1, "minute": 1}
